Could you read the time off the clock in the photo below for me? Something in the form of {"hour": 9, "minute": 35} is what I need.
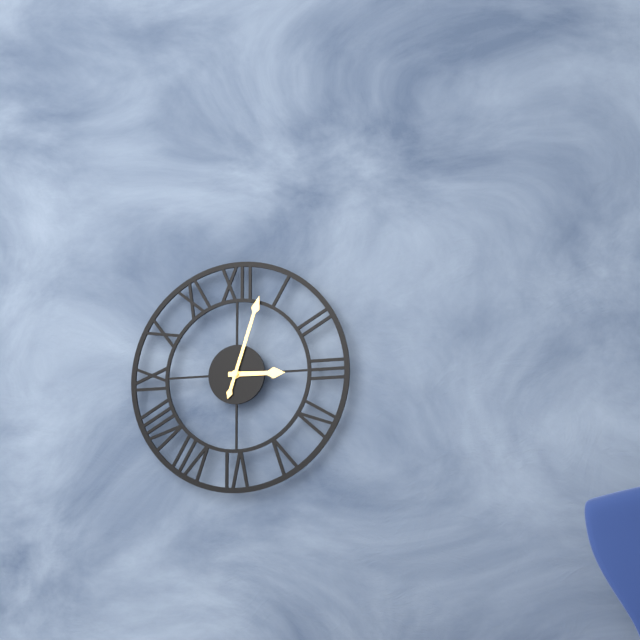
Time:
{"hour": 3, "minute": 3}
